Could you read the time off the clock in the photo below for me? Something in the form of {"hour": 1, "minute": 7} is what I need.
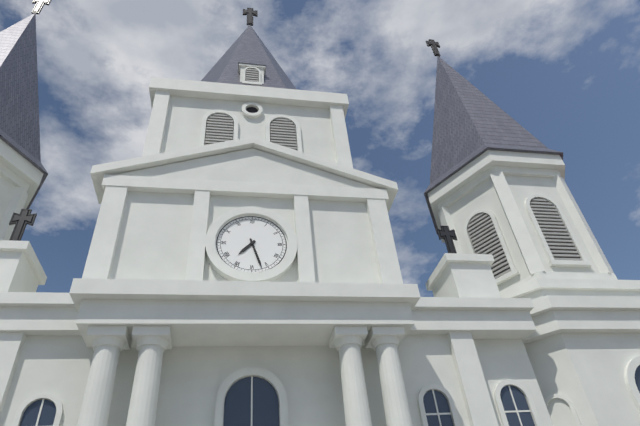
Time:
{"hour": 7, "minute": 27}
